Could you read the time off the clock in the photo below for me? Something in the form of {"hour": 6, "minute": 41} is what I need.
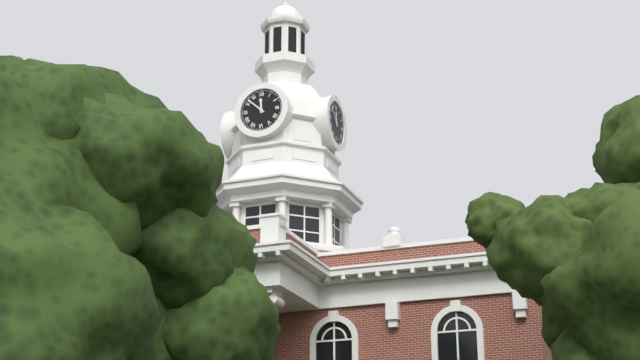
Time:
{"hour": 11, "minute": 52}
